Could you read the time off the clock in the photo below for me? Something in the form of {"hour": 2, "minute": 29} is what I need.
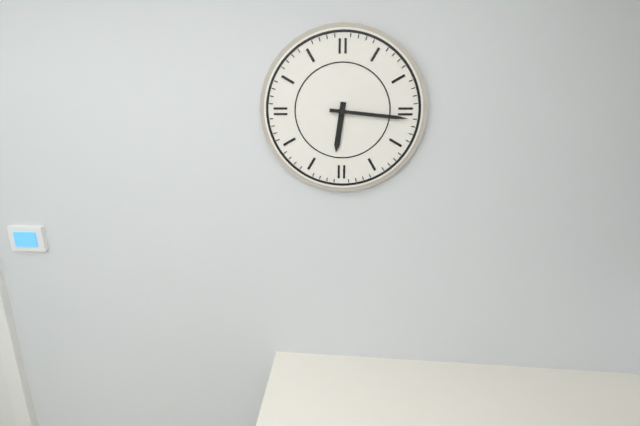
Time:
{"hour": 6, "minute": 16}
